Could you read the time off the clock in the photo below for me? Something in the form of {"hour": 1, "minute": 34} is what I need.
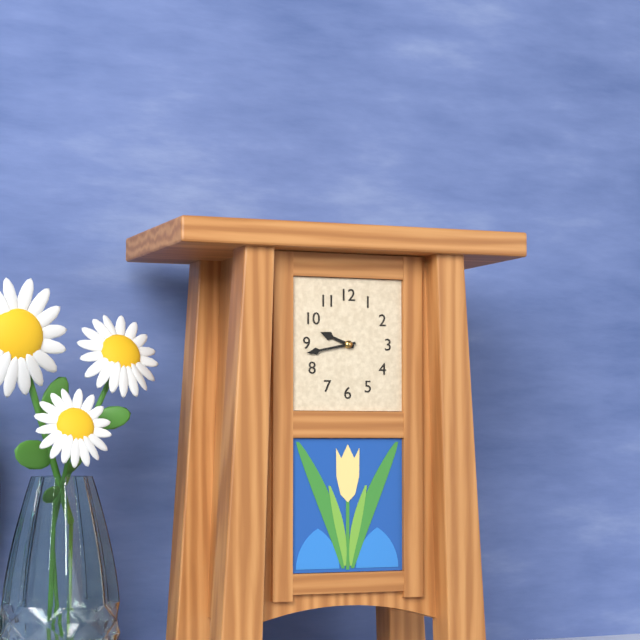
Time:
{"hour": 9, "minute": 43}
